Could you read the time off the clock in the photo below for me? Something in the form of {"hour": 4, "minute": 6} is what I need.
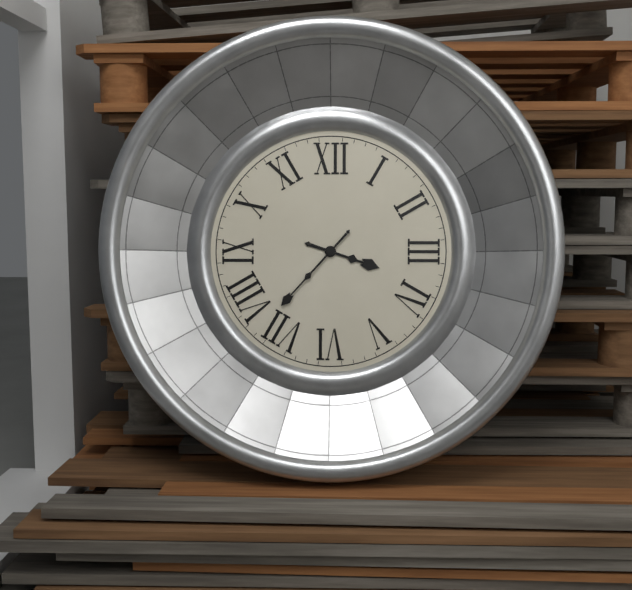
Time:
{"hour": 3, "minute": 37}
